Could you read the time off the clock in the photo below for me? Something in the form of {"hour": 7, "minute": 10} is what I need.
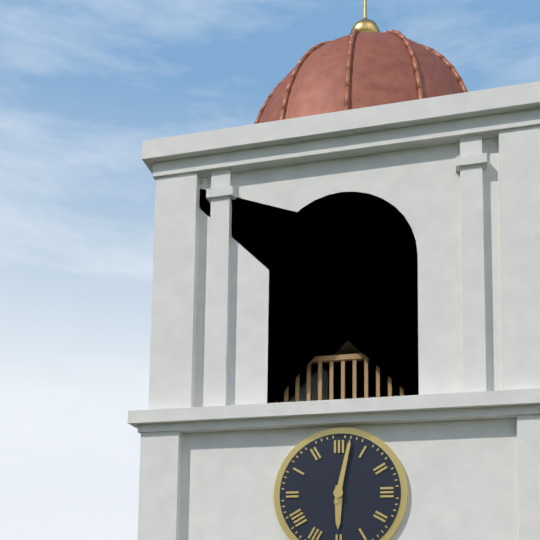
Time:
{"hour": 6, "minute": 2}
